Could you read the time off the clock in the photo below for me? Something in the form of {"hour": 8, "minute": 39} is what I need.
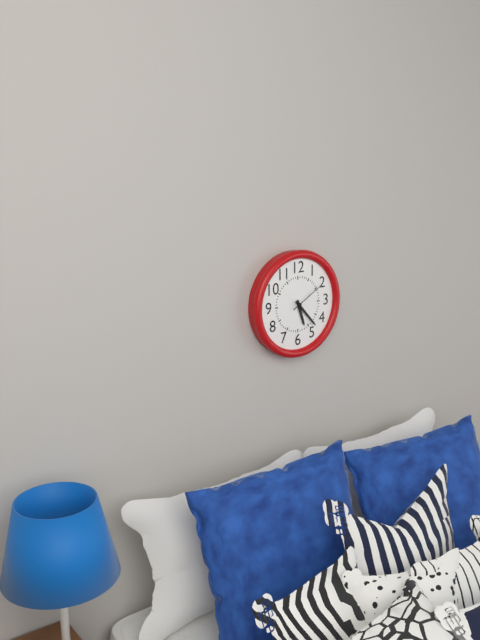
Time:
{"hour": 5, "minute": 23}
